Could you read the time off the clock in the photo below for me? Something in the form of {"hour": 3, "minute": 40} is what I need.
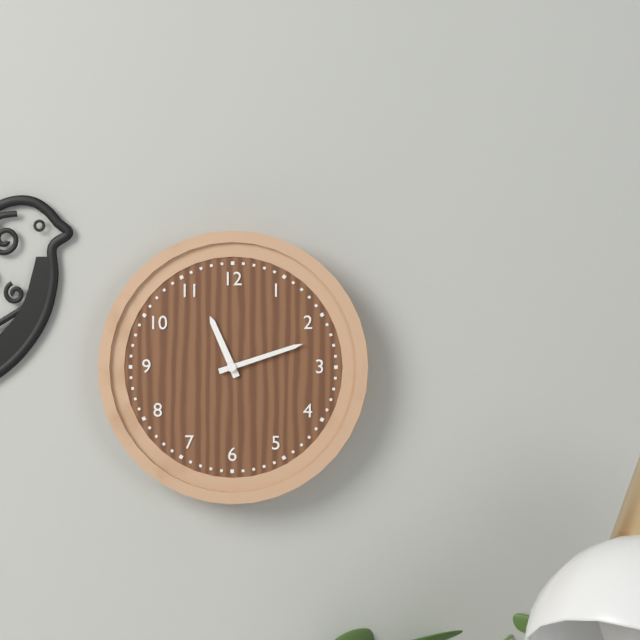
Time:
{"hour": 11, "minute": 12}
